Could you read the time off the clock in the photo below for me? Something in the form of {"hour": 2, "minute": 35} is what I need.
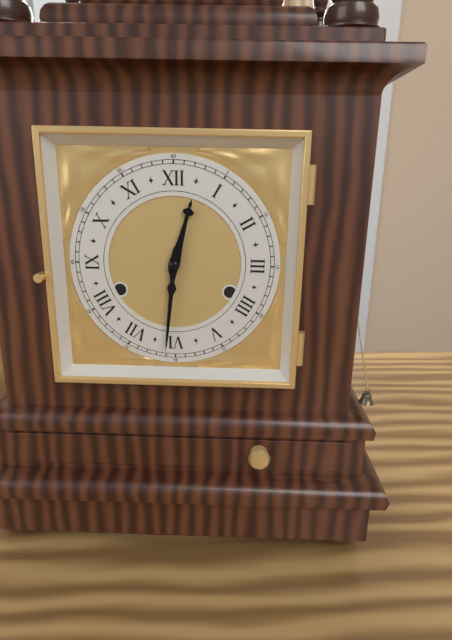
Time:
{"hour": 12, "minute": 31}
